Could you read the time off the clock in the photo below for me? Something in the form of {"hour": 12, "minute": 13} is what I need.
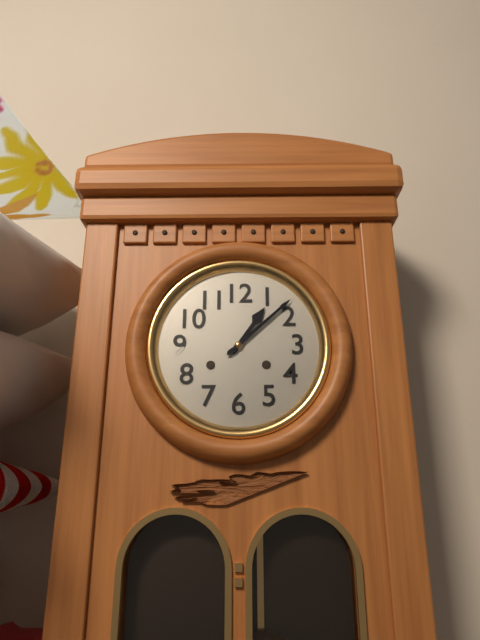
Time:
{"hour": 1, "minute": 8}
